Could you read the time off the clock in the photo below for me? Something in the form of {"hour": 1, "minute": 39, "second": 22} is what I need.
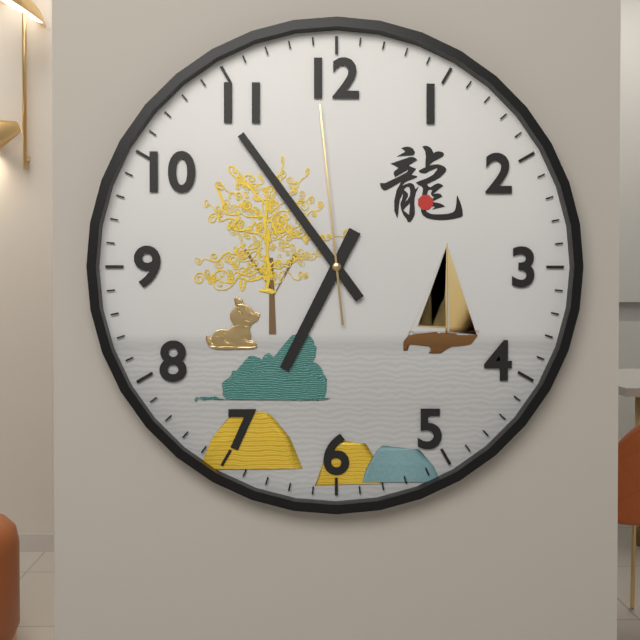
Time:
{"hour": 6, "minute": 54, "second": 59}
